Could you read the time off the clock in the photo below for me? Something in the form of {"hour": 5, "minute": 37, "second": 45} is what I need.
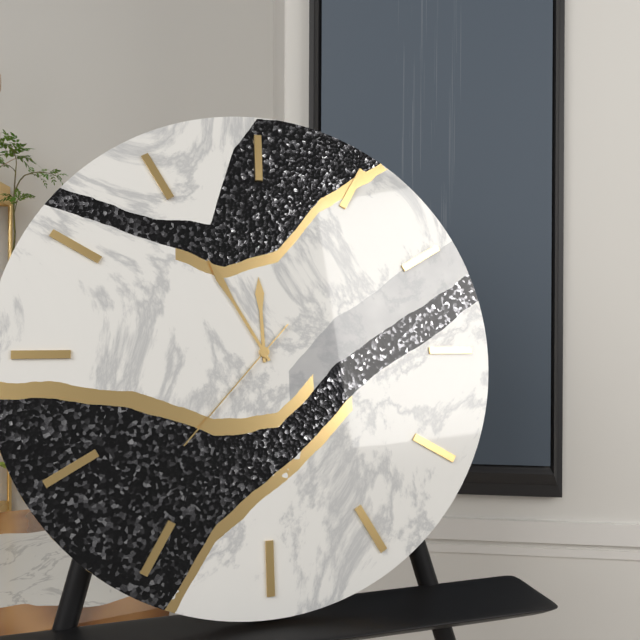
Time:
{"hour": 11, "minute": 55, "second": 37}
